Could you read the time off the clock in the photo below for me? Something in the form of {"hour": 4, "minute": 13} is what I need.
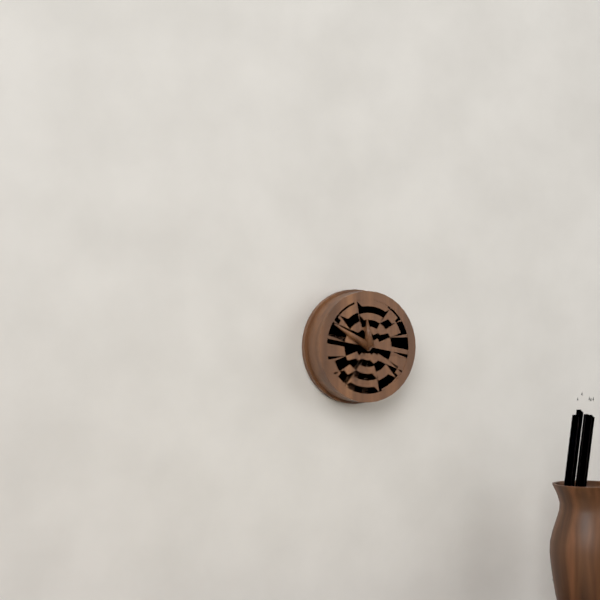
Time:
{"hour": 11, "minute": 50}
